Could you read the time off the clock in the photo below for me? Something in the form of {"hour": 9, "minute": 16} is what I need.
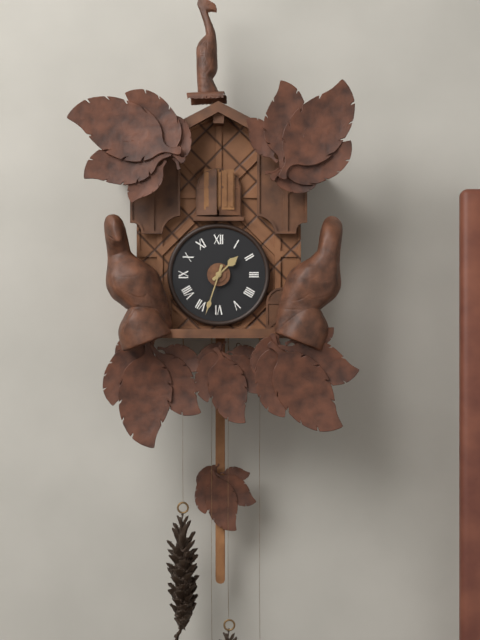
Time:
{"hour": 1, "minute": 33}
